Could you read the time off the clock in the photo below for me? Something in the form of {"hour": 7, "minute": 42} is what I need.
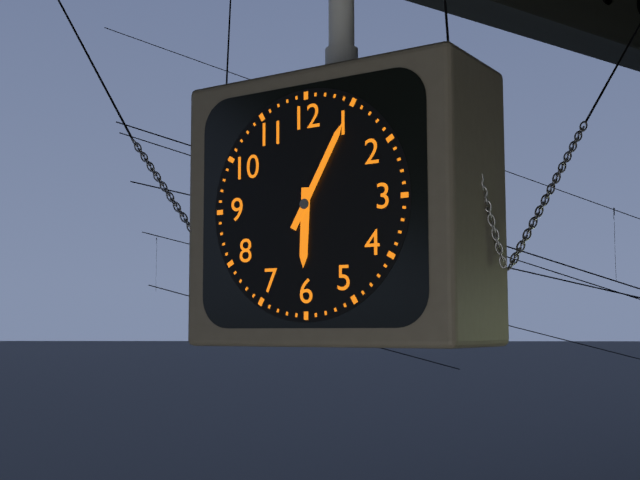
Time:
{"hour": 6, "minute": 5}
